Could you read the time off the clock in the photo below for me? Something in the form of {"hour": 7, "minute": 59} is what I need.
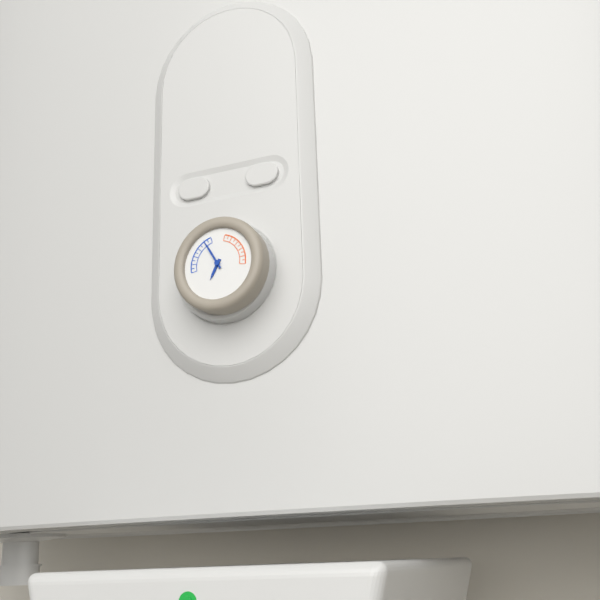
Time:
{"hour": 6, "minute": 55}
